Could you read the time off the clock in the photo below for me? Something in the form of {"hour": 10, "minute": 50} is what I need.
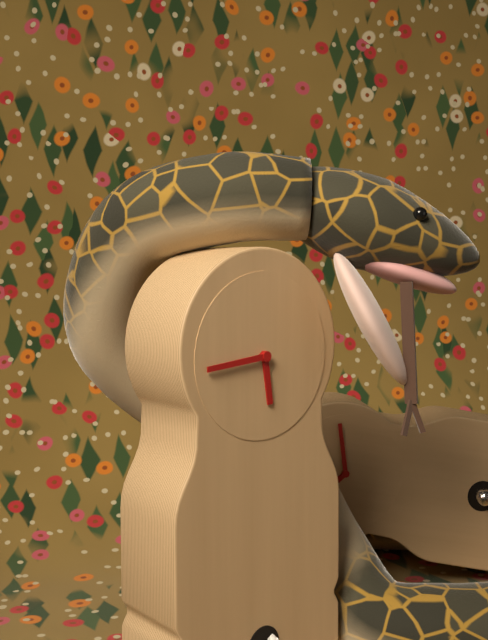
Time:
{"hour": 5, "minute": 44}
